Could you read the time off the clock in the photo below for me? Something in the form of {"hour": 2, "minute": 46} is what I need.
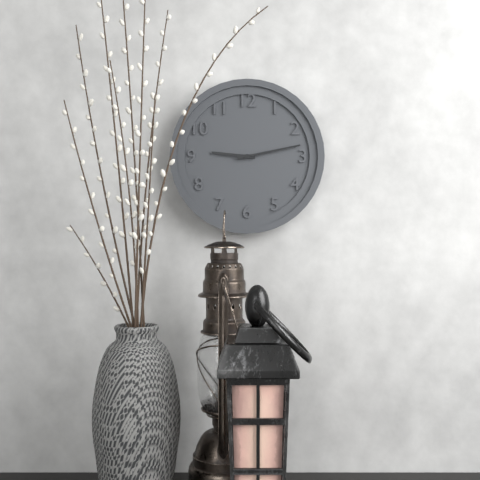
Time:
{"hour": 9, "minute": 13}
